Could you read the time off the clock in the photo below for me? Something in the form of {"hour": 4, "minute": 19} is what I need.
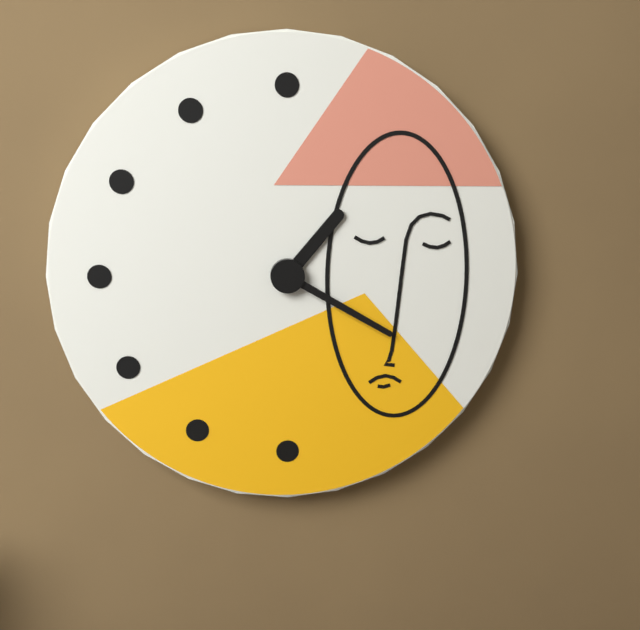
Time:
{"hour": 1, "minute": 20}
